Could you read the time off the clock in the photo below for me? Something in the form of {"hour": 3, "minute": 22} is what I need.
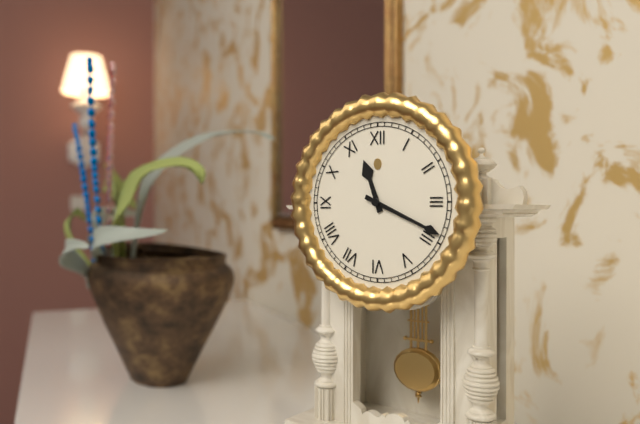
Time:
{"hour": 11, "minute": 19}
